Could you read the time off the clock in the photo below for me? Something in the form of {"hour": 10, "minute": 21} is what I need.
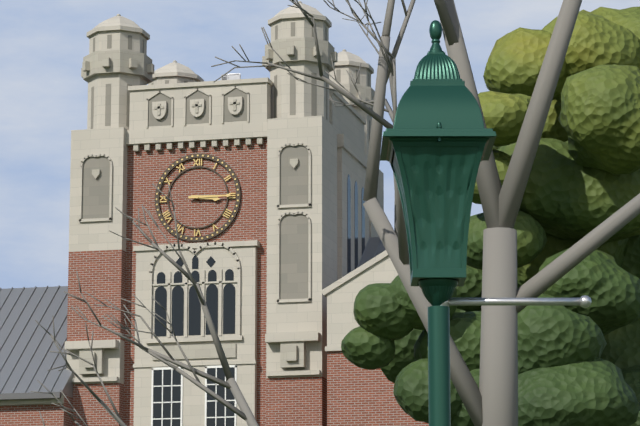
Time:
{"hour": 3, "minute": 15}
